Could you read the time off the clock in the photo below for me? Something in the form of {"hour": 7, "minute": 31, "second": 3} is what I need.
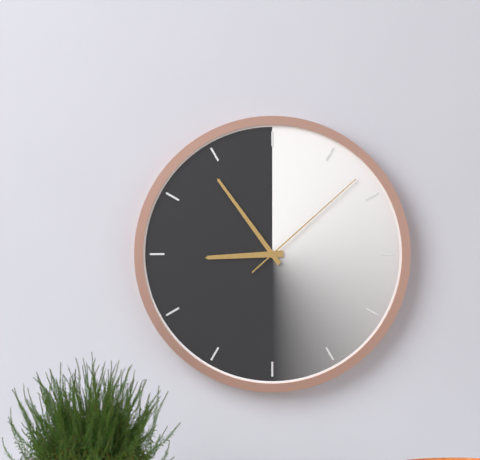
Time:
{"hour": 8, "minute": 54, "second": 8}
